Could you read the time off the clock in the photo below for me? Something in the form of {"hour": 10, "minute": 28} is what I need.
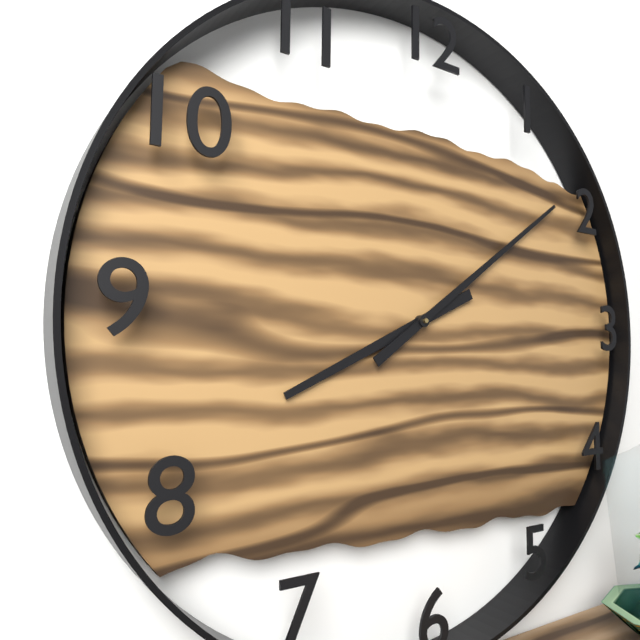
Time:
{"hour": 8, "minute": 9}
